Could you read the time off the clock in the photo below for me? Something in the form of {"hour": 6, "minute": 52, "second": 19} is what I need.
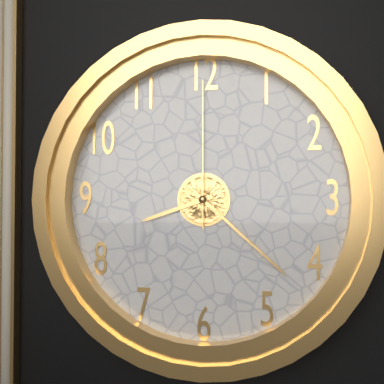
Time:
{"hour": 8, "minute": 22, "second": 0}
